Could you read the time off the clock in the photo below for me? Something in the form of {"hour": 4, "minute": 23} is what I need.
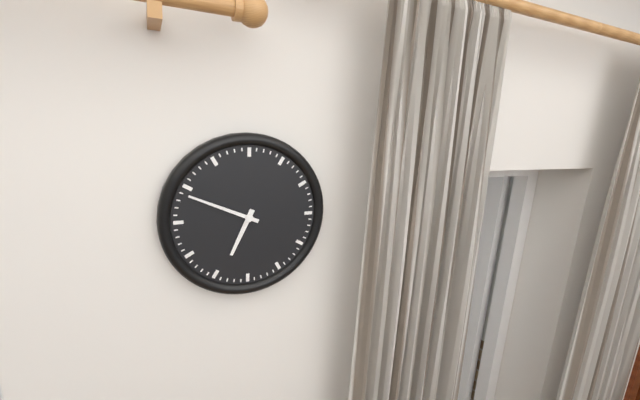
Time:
{"hour": 6, "minute": 49}
